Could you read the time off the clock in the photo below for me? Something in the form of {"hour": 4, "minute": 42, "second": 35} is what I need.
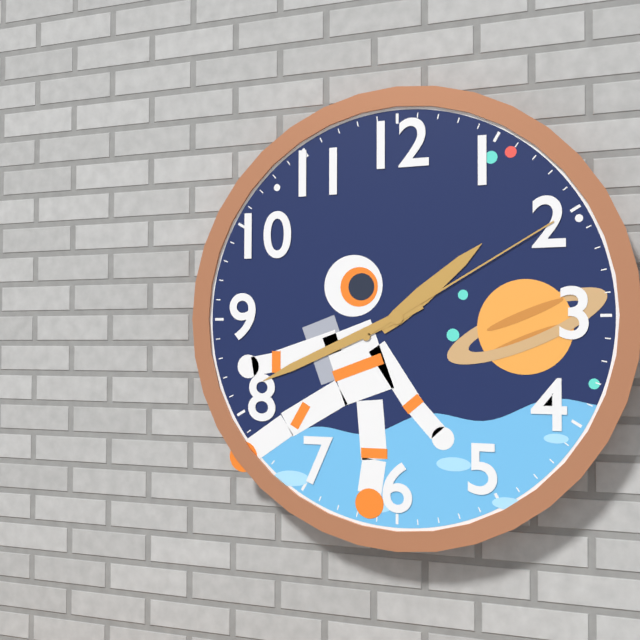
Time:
{"hour": 1, "minute": 41, "second": 10}
